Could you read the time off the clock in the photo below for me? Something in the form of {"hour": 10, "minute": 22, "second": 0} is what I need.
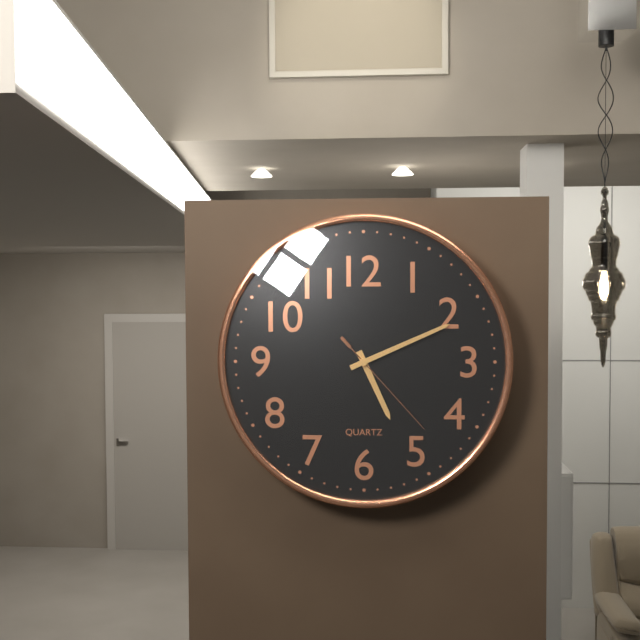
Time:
{"hour": 5, "minute": 11, "second": 23}
